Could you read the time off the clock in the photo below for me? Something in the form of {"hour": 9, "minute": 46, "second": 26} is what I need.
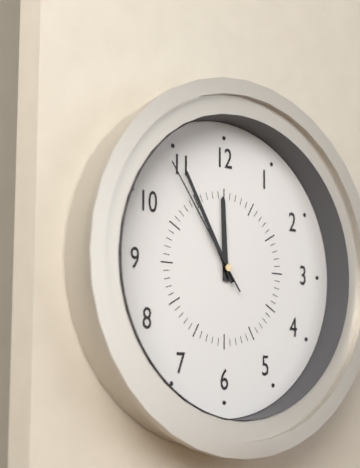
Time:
{"hour": 11, "minute": 55, "second": 54}
